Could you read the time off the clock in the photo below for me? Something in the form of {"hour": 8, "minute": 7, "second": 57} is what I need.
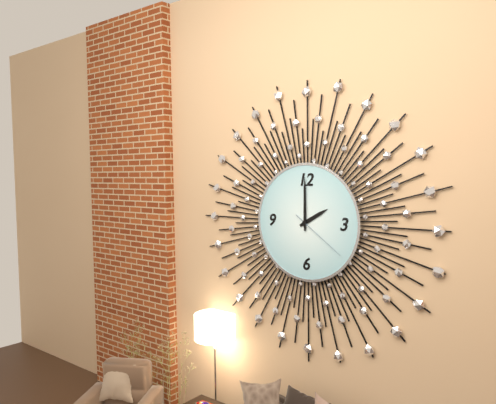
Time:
{"hour": 2, "minute": 0, "second": 21}
